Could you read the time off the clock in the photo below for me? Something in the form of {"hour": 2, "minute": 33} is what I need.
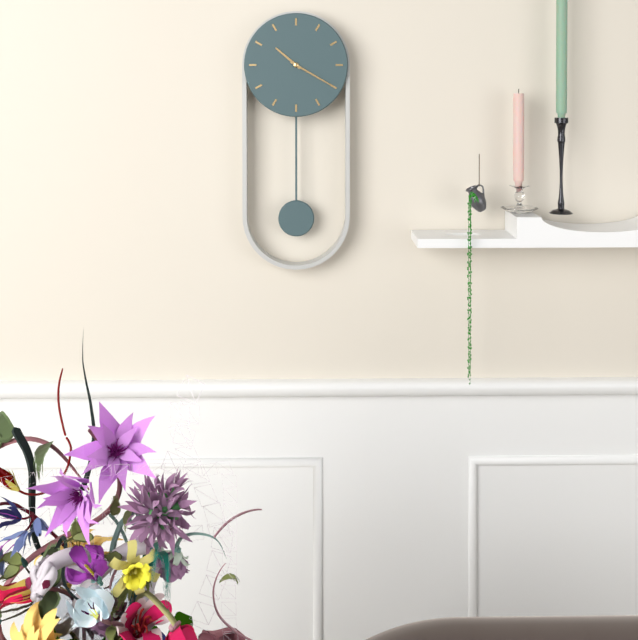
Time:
{"hour": 10, "minute": 20}
